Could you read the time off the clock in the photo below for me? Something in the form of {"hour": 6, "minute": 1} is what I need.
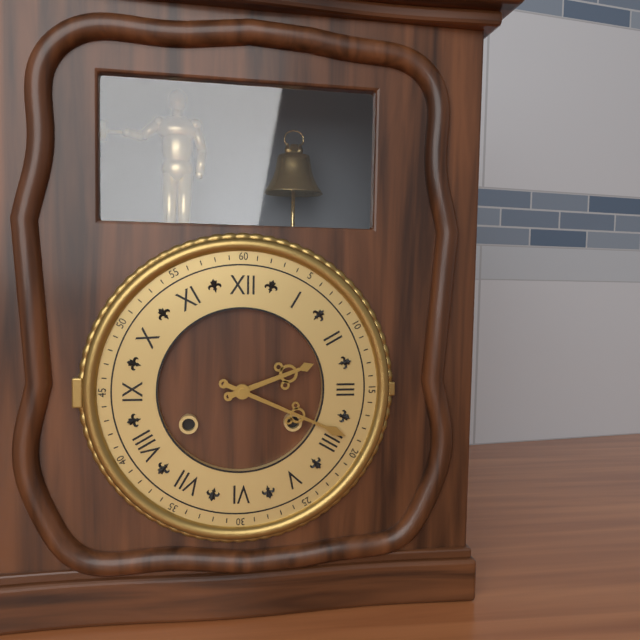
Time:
{"hour": 2, "minute": 19}
